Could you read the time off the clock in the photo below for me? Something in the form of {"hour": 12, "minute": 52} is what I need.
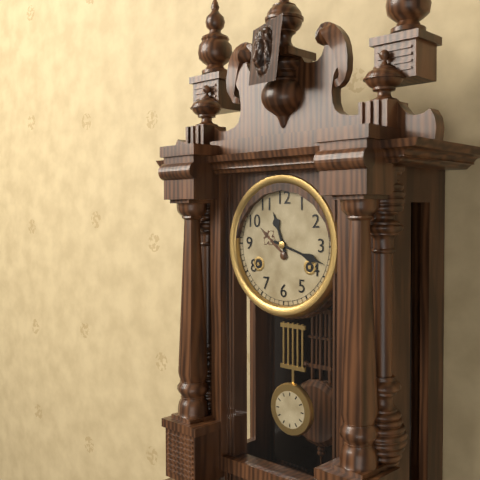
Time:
{"hour": 11, "minute": 18}
